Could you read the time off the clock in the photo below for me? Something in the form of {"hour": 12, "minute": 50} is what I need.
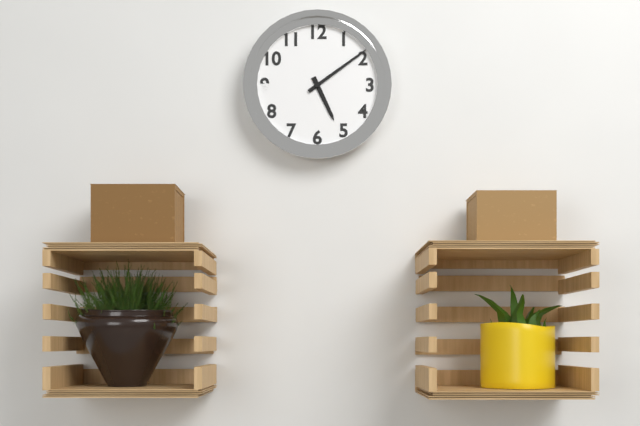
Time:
{"hour": 5, "minute": 9}
